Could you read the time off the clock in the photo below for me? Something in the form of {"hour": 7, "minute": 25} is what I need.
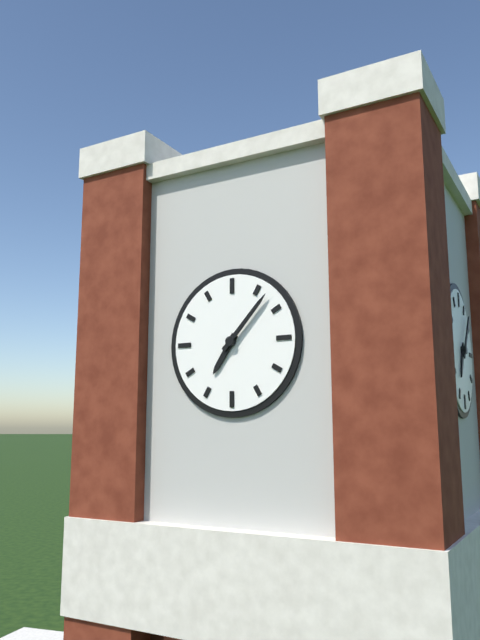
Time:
{"hour": 7, "minute": 7}
